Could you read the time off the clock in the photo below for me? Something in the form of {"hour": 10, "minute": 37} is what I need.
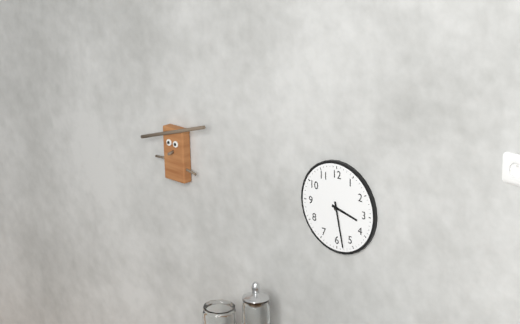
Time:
{"hour": 3, "minute": 28}
